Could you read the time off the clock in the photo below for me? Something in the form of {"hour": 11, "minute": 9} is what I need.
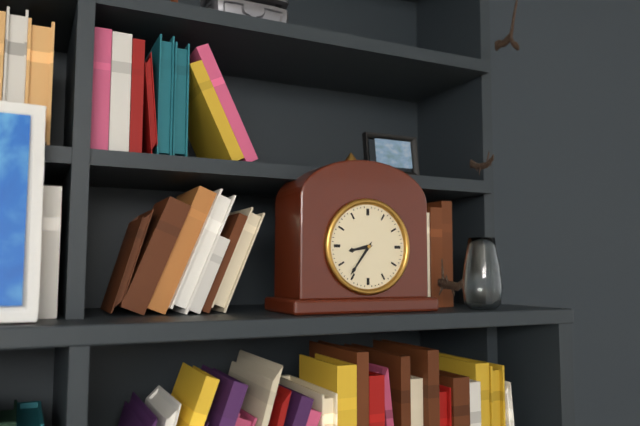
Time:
{"hour": 8, "minute": 36}
